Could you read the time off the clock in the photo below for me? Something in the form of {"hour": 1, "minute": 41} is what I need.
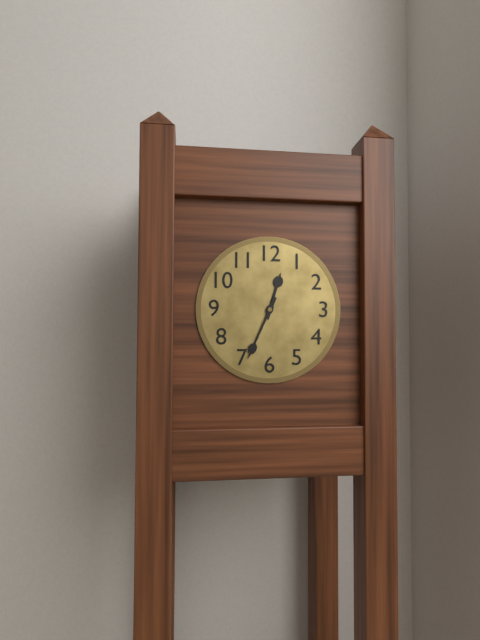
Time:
{"hour": 12, "minute": 34}
